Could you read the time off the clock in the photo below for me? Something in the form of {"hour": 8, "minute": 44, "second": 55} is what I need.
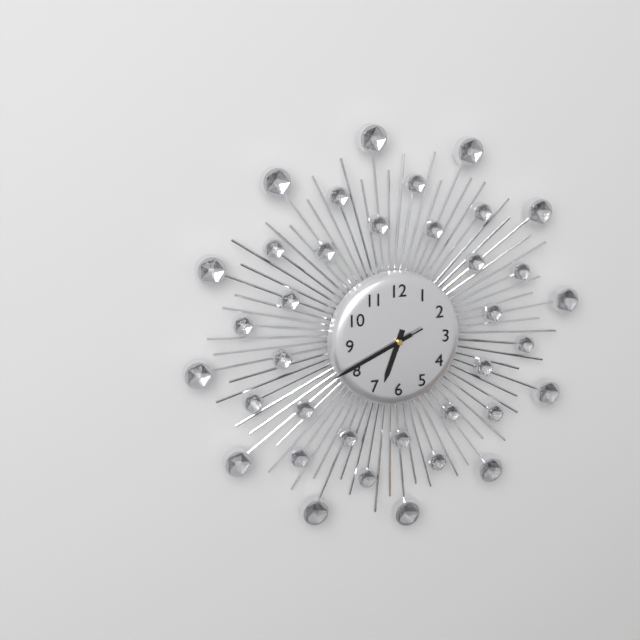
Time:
{"hour": 6, "minute": 41, "second": 41}
